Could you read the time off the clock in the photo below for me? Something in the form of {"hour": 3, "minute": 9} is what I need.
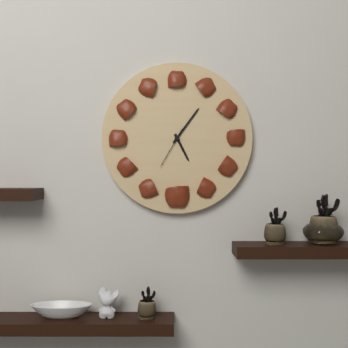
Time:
{"hour": 5, "minute": 6}
